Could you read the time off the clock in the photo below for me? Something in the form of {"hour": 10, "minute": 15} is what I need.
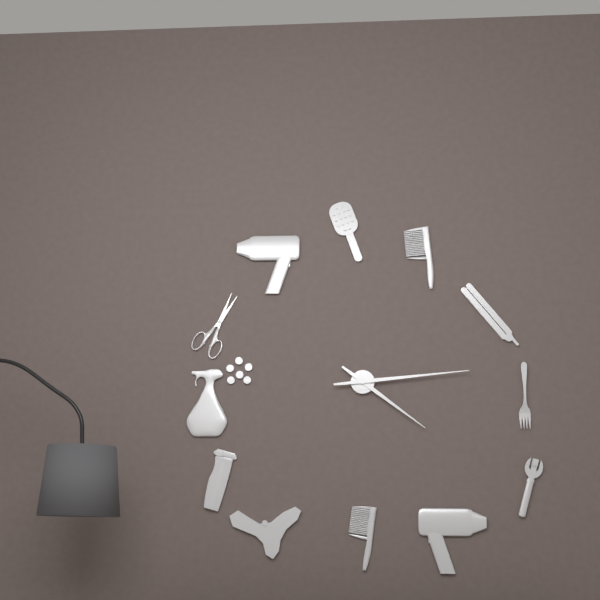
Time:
{"hour": 4, "minute": 14}
